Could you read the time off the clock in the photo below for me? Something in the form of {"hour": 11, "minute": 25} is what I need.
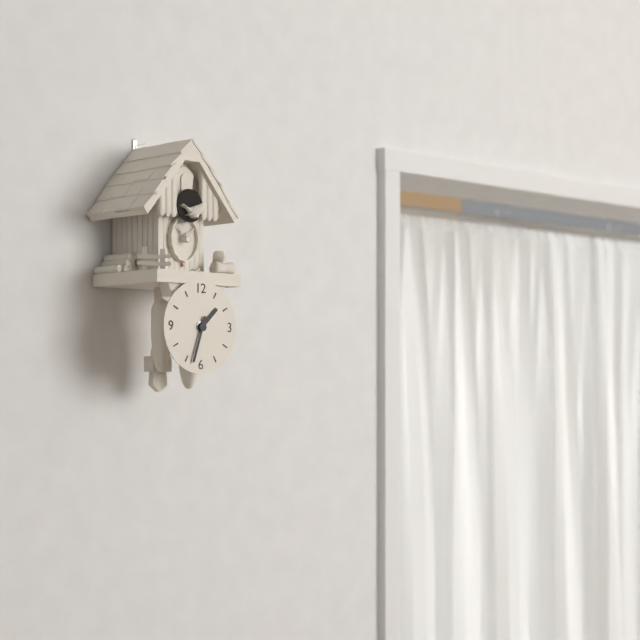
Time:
{"hour": 1, "minute": 33}
